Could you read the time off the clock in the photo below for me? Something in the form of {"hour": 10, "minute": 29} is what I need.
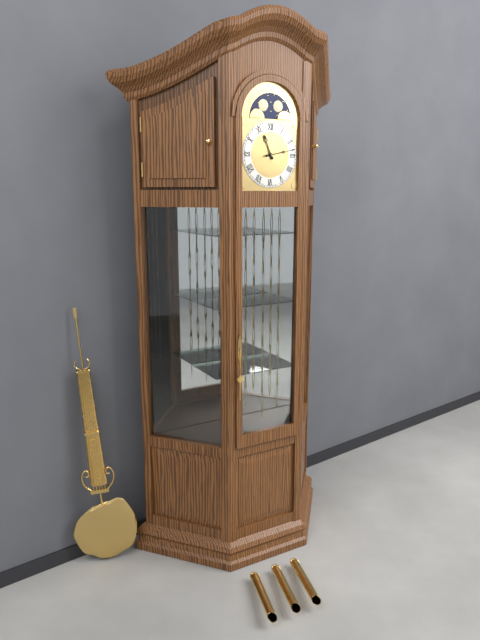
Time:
{"hour": 11, "minute": 13}
